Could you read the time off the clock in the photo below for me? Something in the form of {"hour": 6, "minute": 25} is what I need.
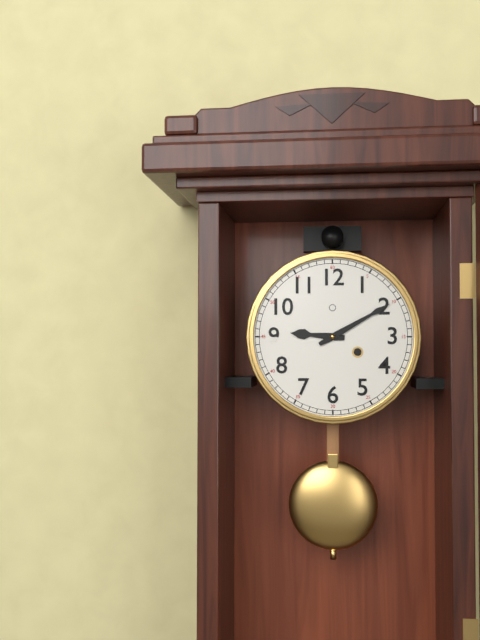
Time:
{"hour": 9, "minute": 10}
